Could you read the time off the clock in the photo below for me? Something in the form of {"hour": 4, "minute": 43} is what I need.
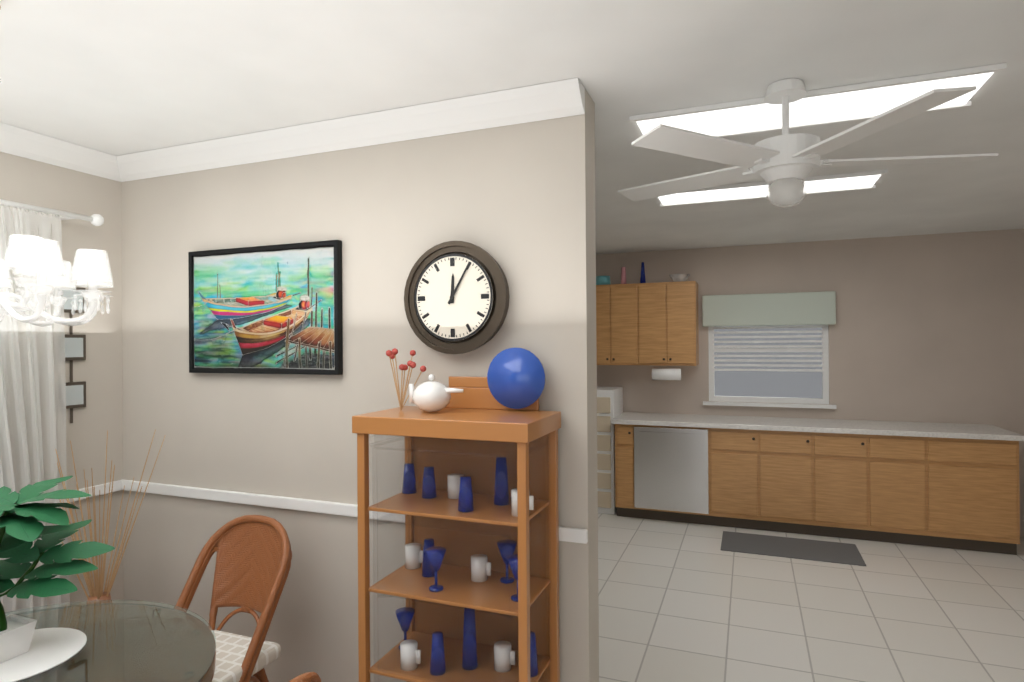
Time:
{"hour": 12, "minute": 5}
